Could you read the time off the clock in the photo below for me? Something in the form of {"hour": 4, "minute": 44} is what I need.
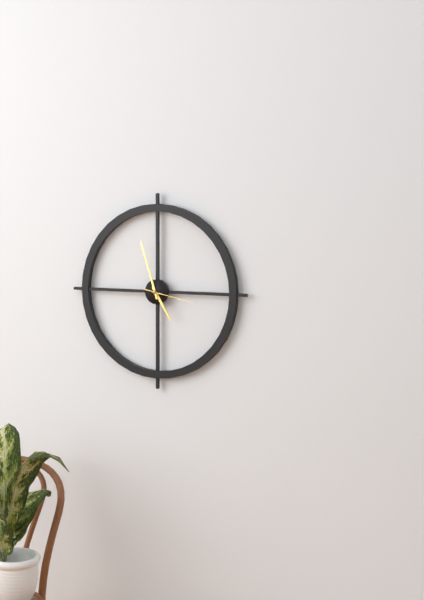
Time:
{"hour": 4, "minute": 57}
